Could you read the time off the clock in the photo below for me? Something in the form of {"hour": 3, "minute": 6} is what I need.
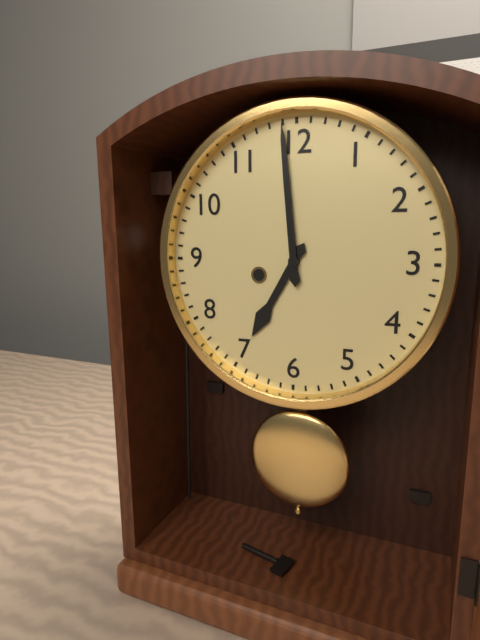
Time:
{"hour": 6, "minute": 59}
